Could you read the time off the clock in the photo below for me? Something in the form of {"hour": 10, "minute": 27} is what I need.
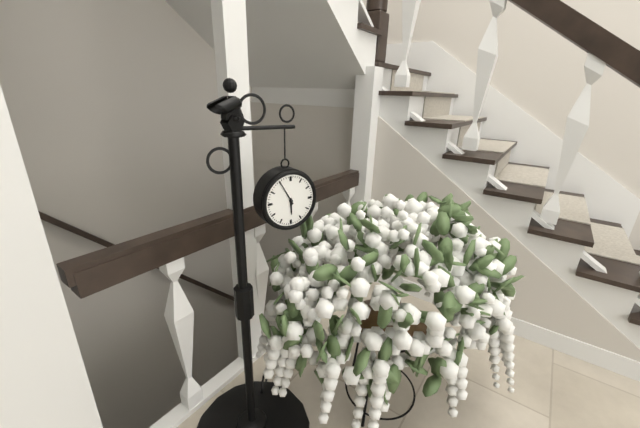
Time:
{"hour": 5, "minute": 55}
